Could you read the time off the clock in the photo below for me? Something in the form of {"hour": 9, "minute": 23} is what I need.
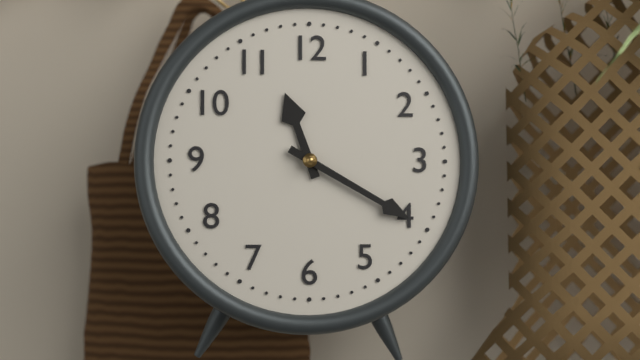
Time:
{"hour": 11, "minute": 20}
